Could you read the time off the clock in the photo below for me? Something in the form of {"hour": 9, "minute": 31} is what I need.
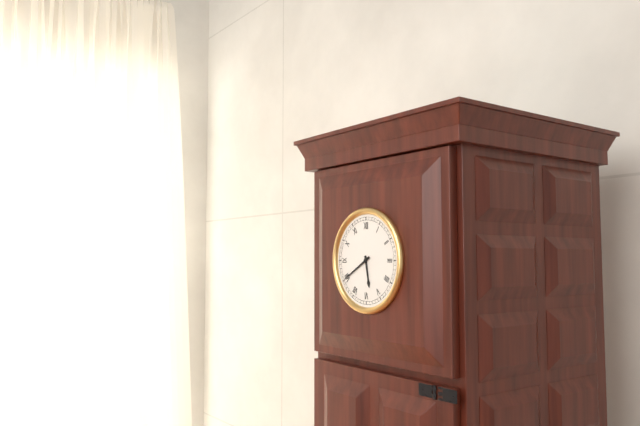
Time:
{"hour": 5, "minute": 40}
